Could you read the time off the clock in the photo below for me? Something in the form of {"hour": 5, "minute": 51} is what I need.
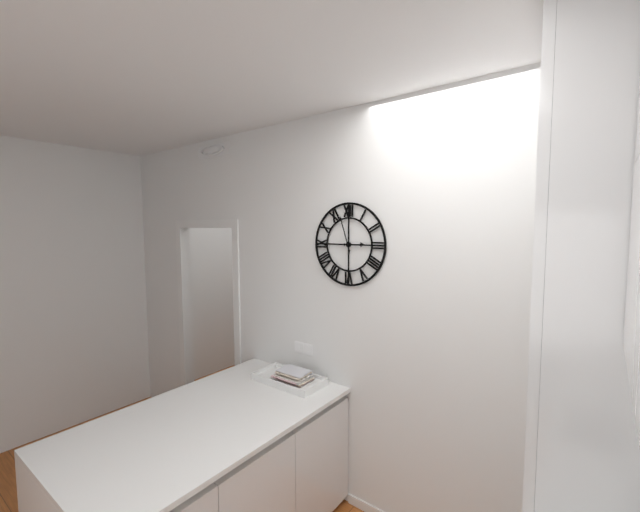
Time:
{"hour": 2, "minute": 57}
